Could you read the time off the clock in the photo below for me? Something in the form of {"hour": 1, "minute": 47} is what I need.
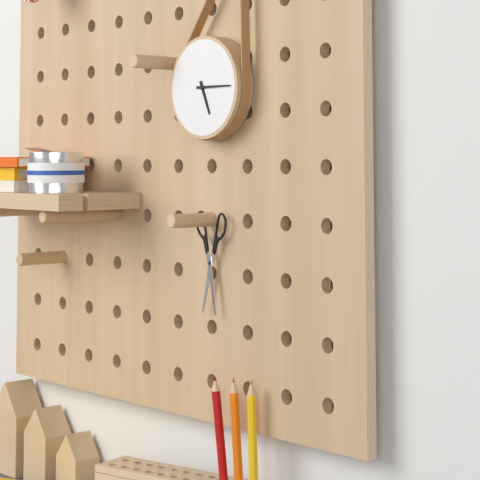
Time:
{"hour": 5, "minute": 15}
